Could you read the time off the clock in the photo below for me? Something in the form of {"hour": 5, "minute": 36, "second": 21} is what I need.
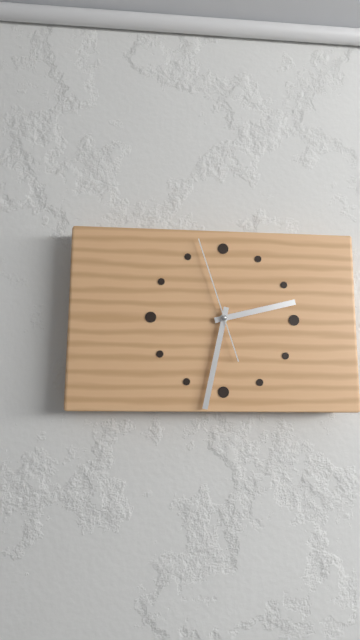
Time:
{"hour": 2, "minute": 32, "second": 57}
